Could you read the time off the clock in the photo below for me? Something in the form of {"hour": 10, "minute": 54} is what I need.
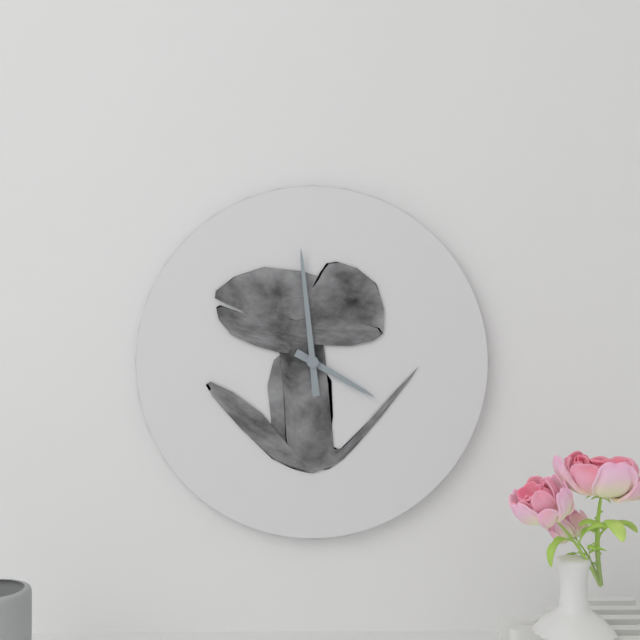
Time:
{"hour": 3, "minute": 59}
